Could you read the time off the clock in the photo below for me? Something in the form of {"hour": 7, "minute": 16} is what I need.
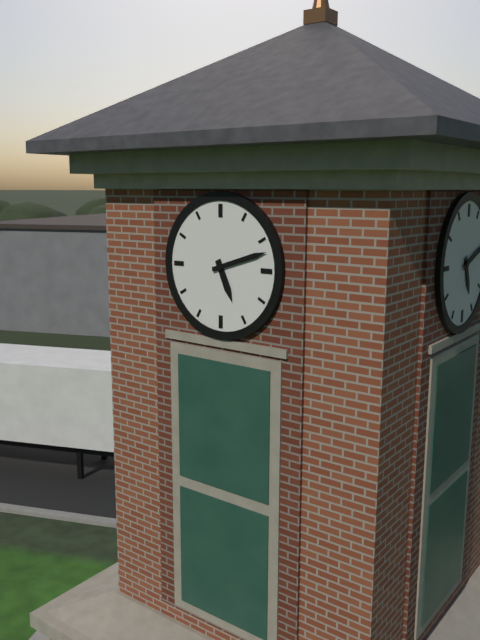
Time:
{"hour": 5, "minute": 12}
